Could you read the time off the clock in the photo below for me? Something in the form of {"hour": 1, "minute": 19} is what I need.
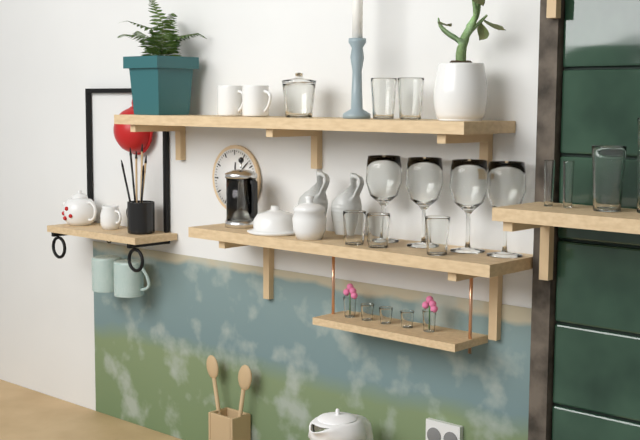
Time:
{"hour": 12, "minute": 8}
